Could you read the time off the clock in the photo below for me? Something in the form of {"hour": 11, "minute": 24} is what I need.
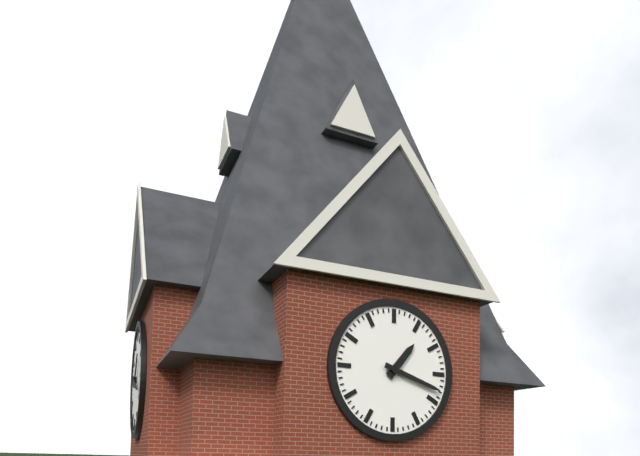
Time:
{"hour": 1, "minute": 18}
